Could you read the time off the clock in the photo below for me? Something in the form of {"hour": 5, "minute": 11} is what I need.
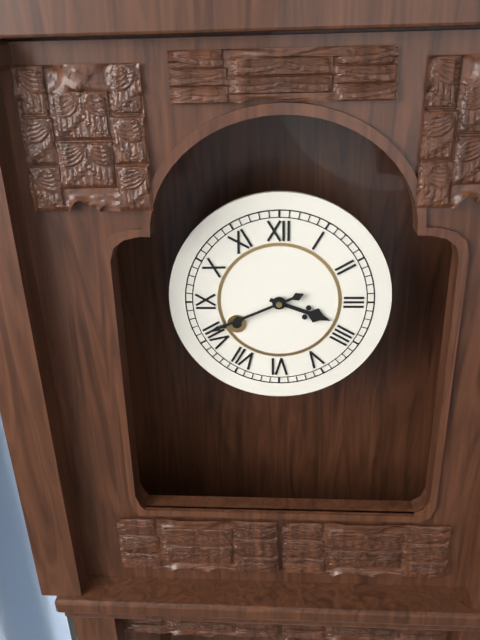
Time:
{"hour": 3, "minute": 41}
